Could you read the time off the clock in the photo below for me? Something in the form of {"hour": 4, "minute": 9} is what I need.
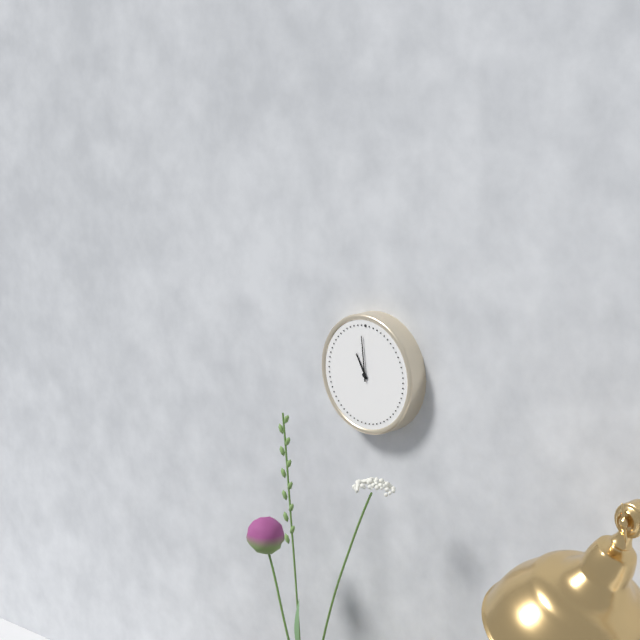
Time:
{"hour": 10, "minute": 59}
